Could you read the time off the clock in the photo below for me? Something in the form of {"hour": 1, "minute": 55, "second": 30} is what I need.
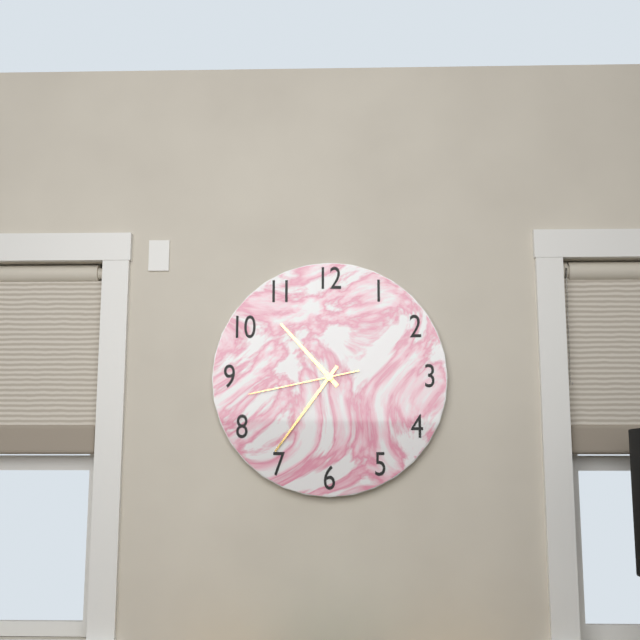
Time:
{"hour": 10, "minute": 36, "second": 43}
